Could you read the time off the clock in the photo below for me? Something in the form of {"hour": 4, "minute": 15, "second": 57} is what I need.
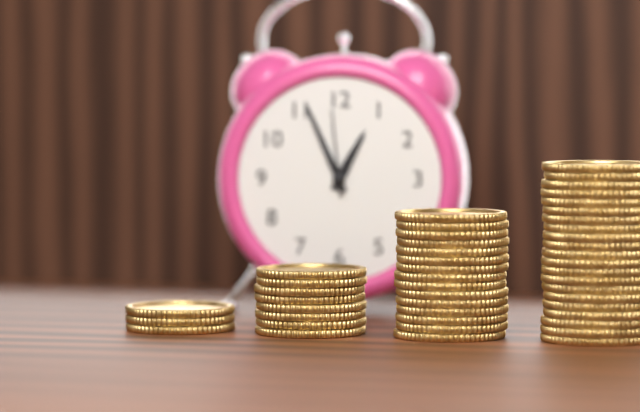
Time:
{"hour": 12, "minute": 56, "second": 59}
